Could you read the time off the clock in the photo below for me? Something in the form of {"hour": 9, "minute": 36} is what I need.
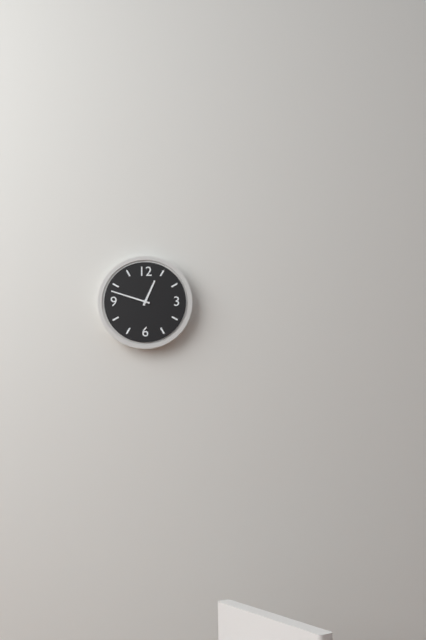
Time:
{"hour": 12, "minute": 48}
